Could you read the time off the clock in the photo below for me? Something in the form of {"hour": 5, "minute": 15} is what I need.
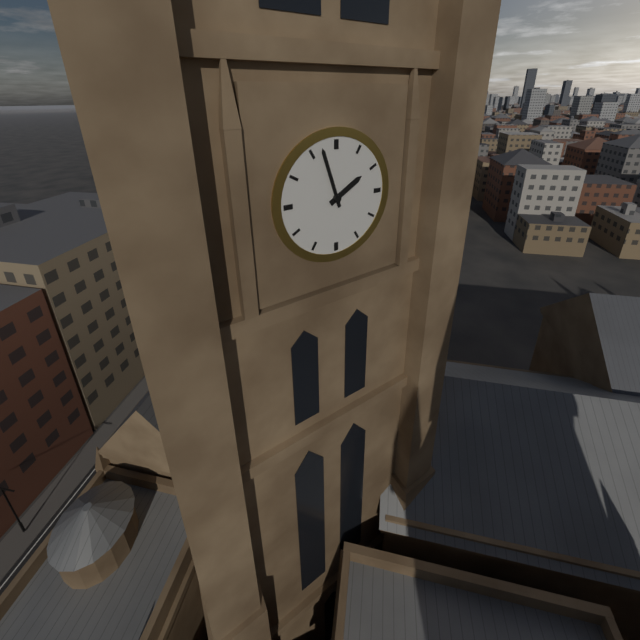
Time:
{"hour": 1, "minute": 57}
